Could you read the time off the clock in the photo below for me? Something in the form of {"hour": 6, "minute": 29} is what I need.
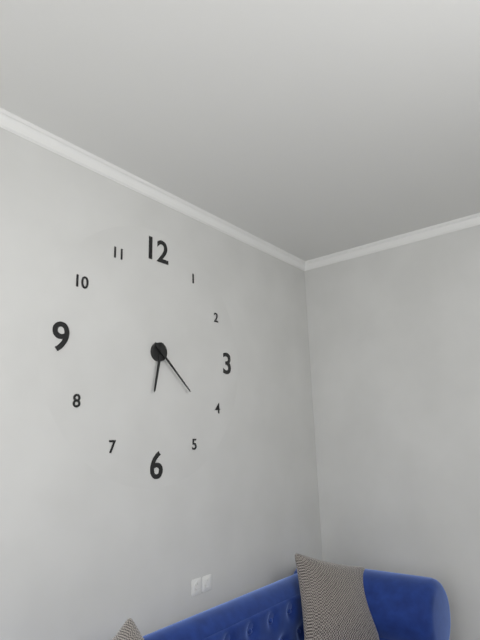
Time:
{"hour": 6, "minute": 22}
